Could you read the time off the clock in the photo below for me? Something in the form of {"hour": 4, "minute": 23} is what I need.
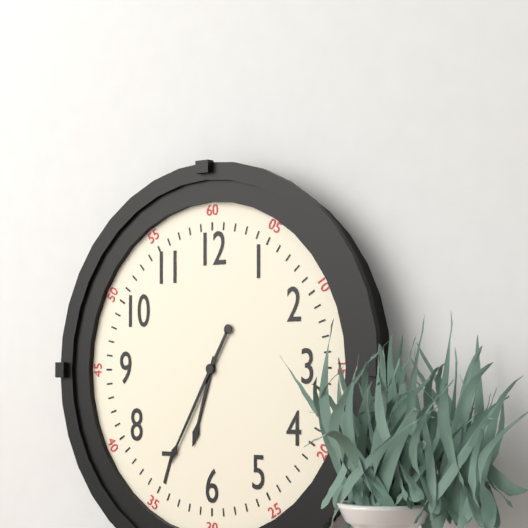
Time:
{"hour": 6, "minute": 35}
